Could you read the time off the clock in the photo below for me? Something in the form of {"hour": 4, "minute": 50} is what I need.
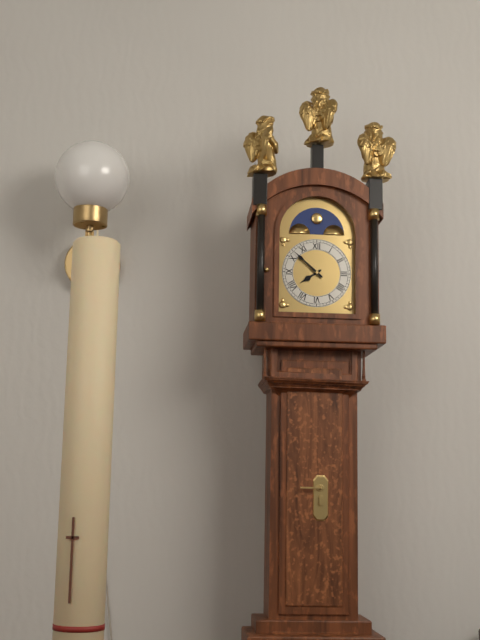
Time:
{"hour": 7, "minute": 52}
